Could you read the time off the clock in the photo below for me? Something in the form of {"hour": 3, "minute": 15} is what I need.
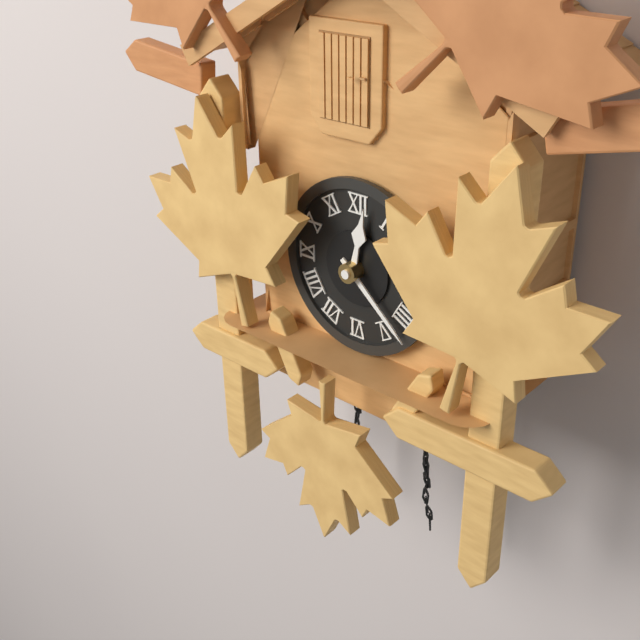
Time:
{"hour": 12, "minute": 22}
